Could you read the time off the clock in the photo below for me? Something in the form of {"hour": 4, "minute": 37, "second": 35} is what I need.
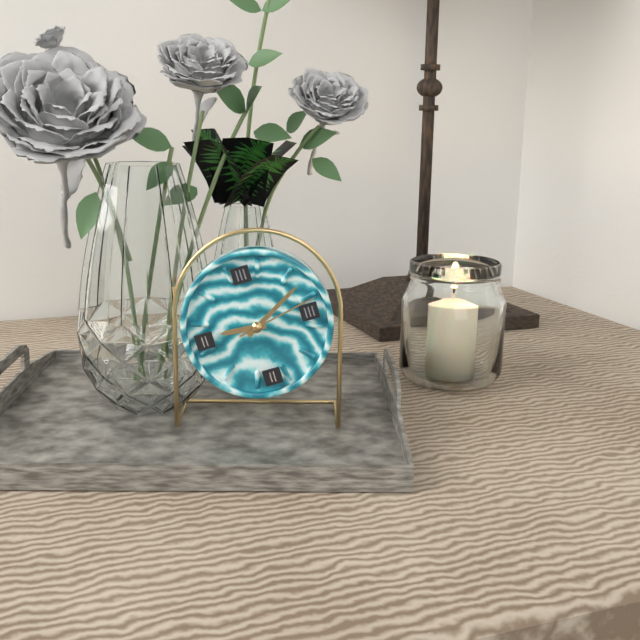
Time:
{"hour": 9, "minute": 10, "second": 13}
